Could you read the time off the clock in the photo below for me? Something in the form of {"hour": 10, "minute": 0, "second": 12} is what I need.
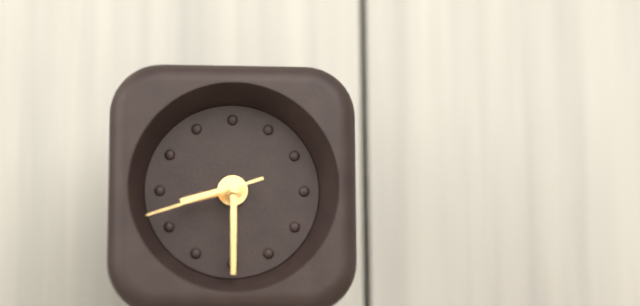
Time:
{"hour": 8, "minute": 30, "second": 42}
